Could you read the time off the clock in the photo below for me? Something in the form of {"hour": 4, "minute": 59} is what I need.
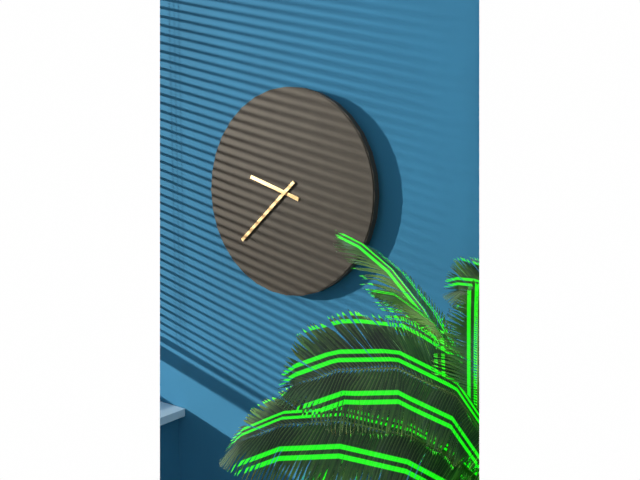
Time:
{"hour": 9, "minute": 38}
